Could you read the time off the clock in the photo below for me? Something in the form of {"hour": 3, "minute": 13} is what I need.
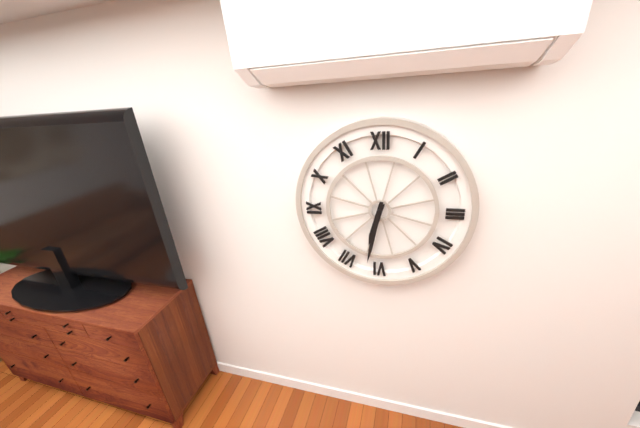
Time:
{"hour": 6, "minute": 32}
